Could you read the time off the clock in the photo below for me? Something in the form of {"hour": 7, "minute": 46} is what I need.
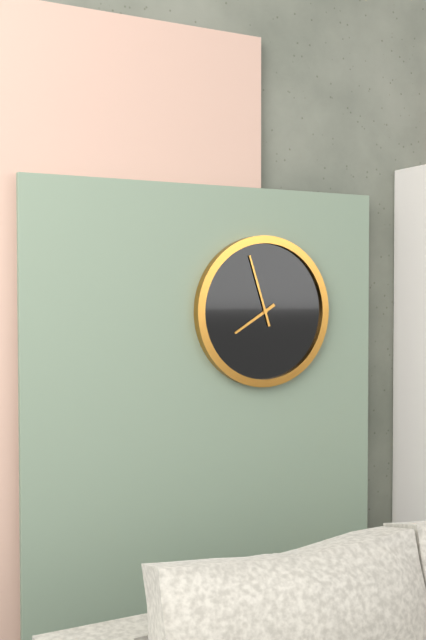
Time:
{"hour": 7, "minute": 57}
